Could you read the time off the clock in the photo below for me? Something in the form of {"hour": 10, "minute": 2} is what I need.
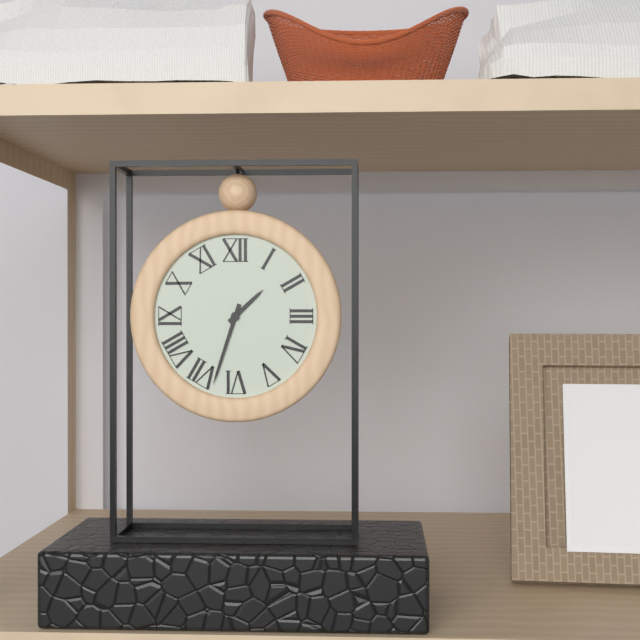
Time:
{"hour": 1, "minute": 33}
